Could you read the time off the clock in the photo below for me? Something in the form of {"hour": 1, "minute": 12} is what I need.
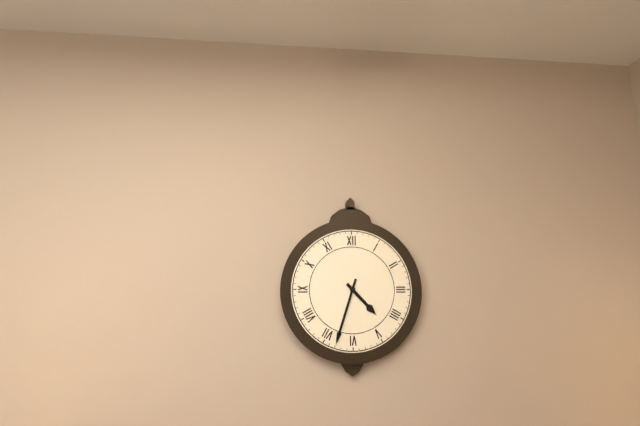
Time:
{"hour": 4, "minute": 33}
